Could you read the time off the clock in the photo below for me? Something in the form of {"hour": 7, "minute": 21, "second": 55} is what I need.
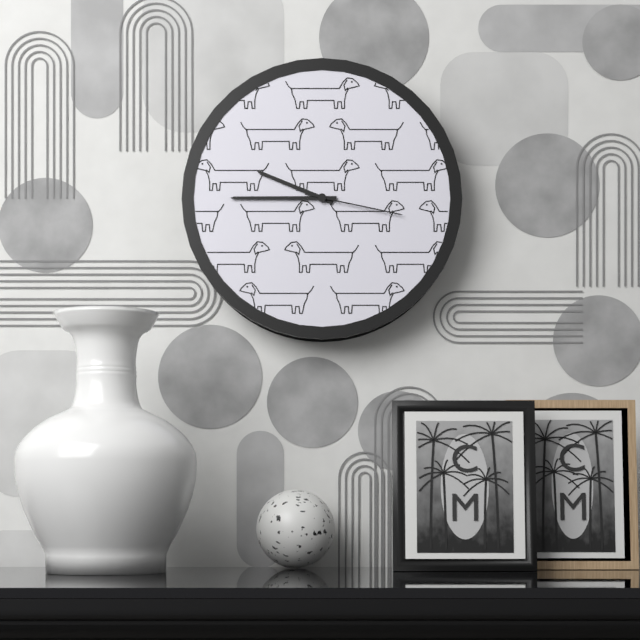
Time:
{"hour": 9, "minute": 45, "second": 17}
